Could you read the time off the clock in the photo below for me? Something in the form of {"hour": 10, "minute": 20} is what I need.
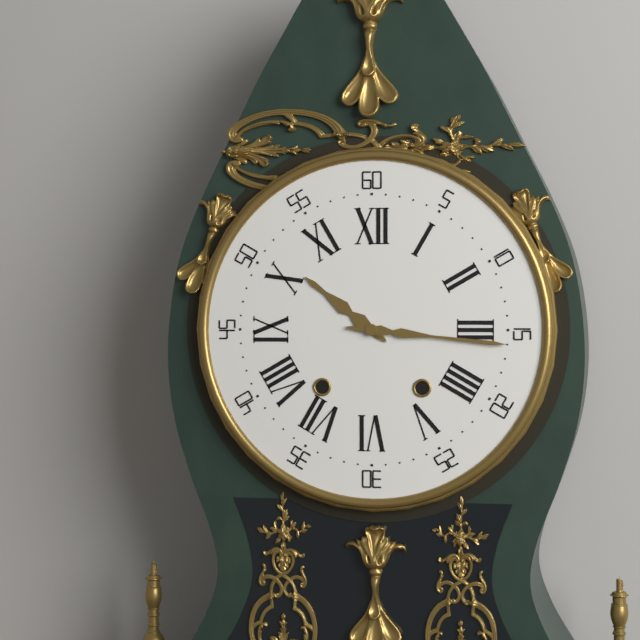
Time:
{"hour": 10, "minute": 16}
